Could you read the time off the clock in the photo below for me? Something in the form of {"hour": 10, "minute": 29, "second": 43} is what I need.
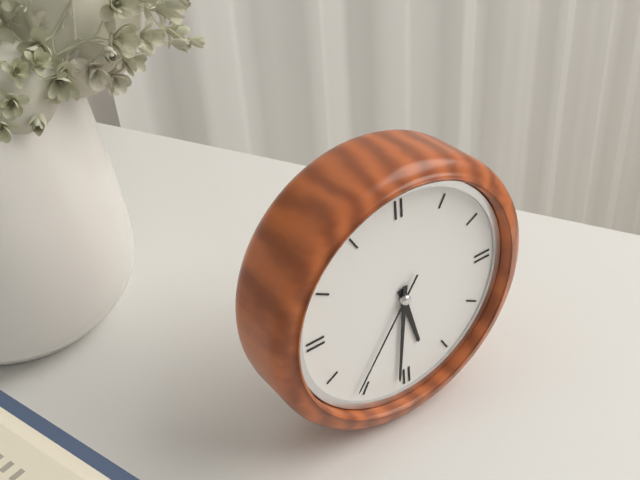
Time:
{"hour": 5, "minute": 31, "second": 36}
